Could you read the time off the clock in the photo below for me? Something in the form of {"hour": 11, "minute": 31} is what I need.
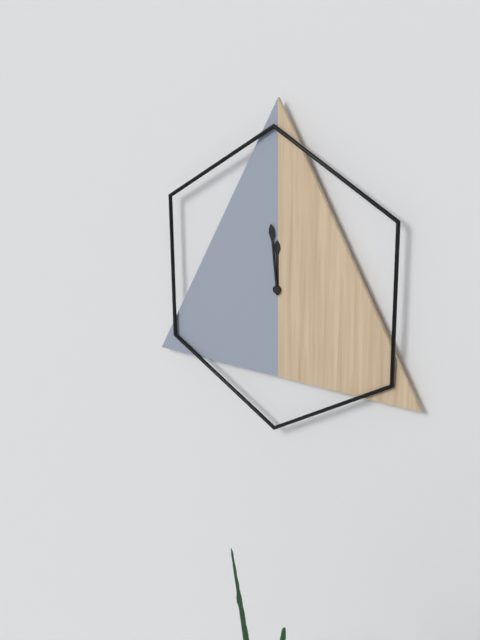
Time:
{"hour": 11, "minute": 59}
